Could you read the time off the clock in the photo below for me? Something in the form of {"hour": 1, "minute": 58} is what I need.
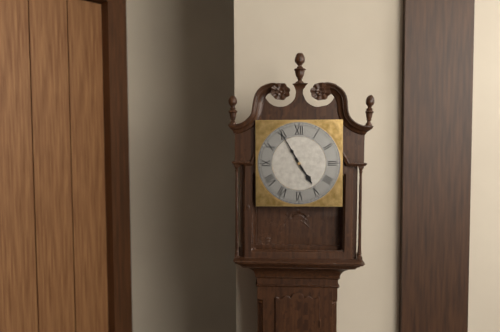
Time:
{"hour": 4, "minute": 55}
